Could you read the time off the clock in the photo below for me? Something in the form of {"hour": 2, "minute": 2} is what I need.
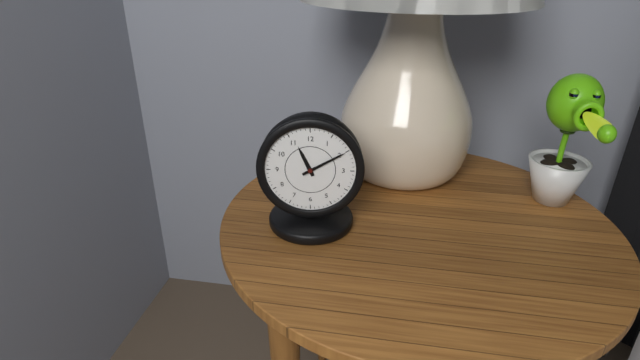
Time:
{"hour": 11, "minute": 10}
